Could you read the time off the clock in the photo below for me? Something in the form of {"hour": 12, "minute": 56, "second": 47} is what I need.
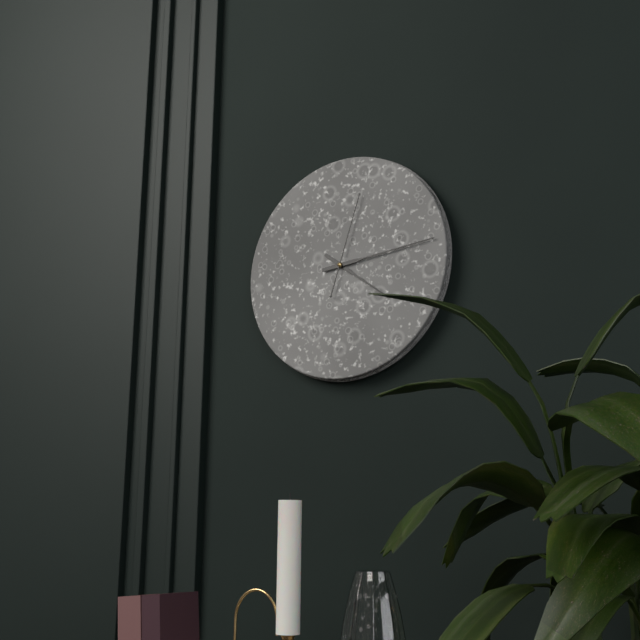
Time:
{"hour": 4, "minute": 14, "second": 3}
